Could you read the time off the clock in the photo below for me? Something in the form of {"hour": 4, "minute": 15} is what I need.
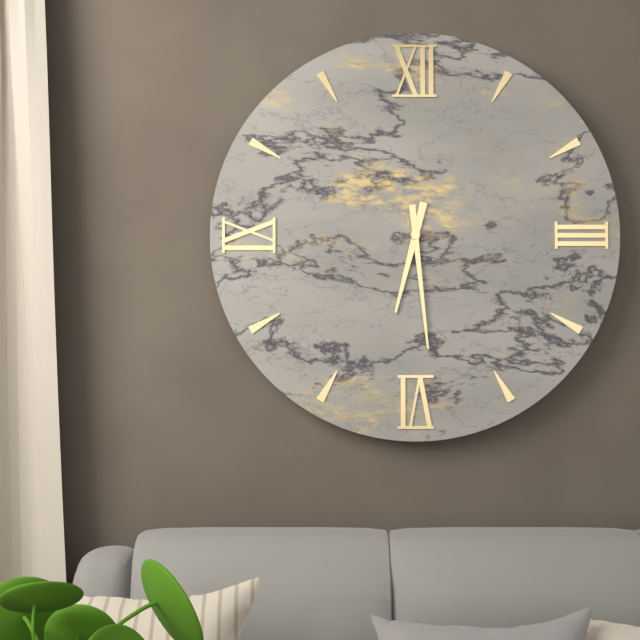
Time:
{"hour": 6, "minute": 29}
